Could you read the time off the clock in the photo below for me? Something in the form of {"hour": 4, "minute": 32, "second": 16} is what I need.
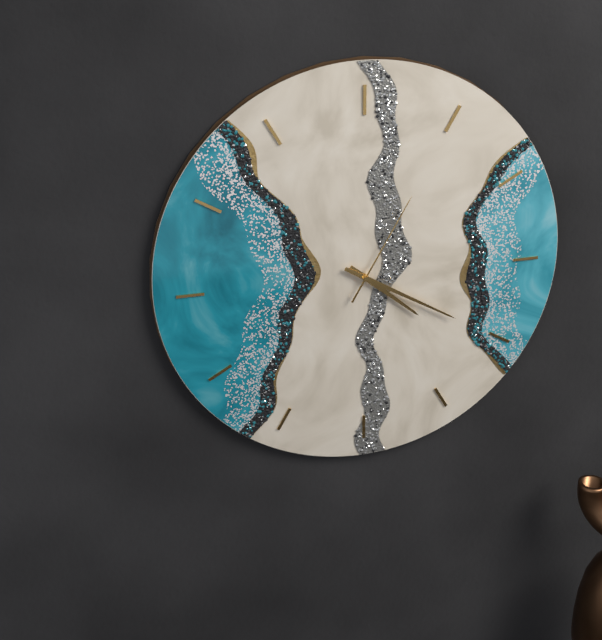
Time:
{"hour": 4, "minute": 20, "second": 5}
